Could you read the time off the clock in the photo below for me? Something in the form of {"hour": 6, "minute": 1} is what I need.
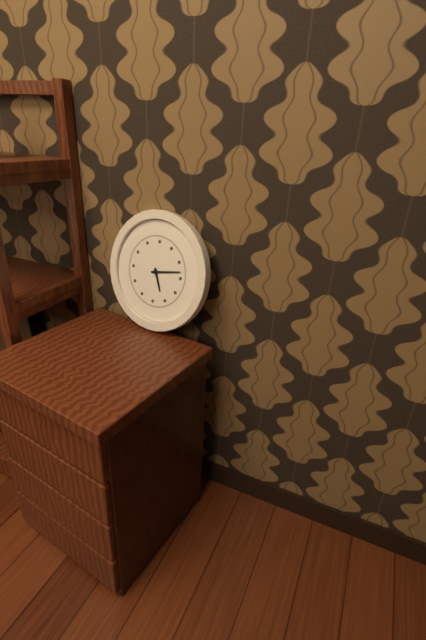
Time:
{"hour": 5, "minute": 13}
